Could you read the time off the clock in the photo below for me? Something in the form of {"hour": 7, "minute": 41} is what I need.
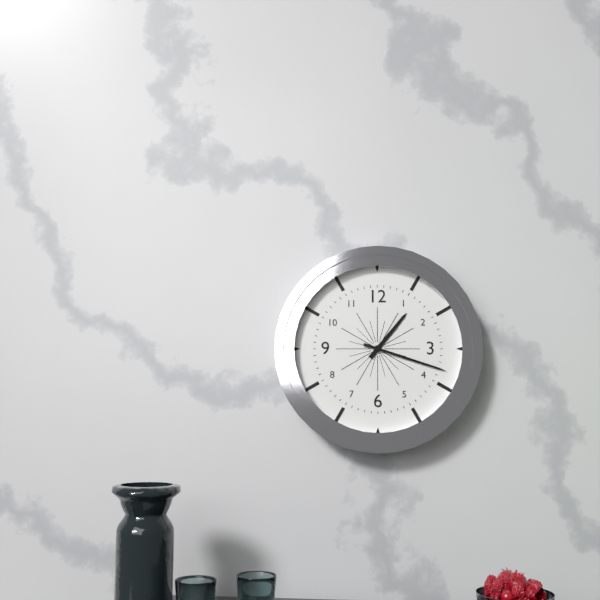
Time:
{"hour": 1, "minute": 18}
